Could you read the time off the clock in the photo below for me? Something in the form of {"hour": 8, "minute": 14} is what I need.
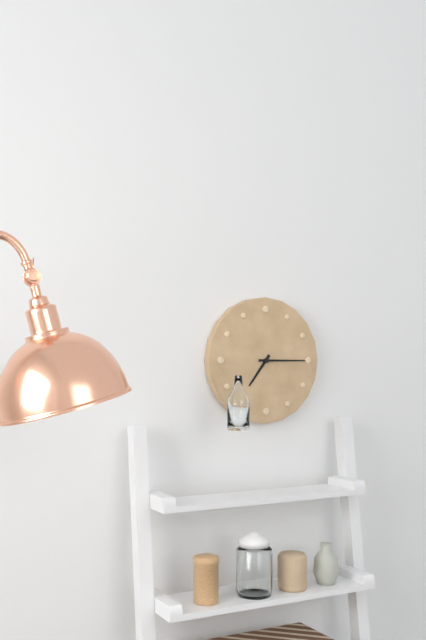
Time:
{"hour": 7, "minute": 15}
